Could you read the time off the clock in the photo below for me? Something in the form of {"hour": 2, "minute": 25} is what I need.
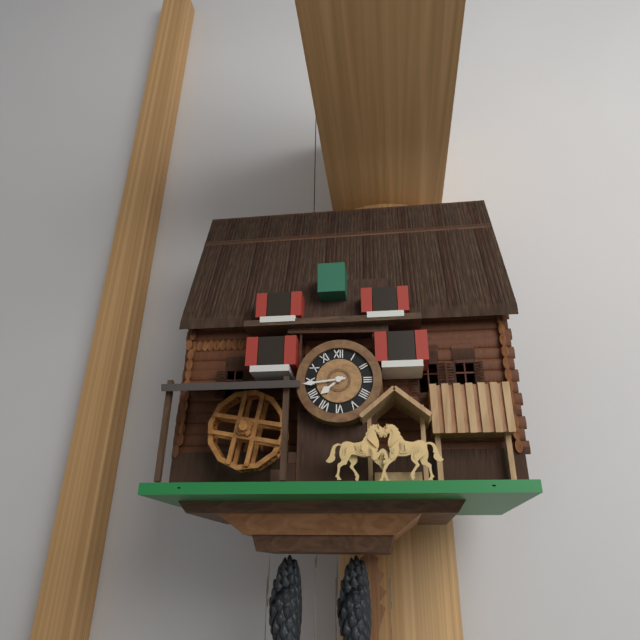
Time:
{"hour": 7, "minute": 44}
